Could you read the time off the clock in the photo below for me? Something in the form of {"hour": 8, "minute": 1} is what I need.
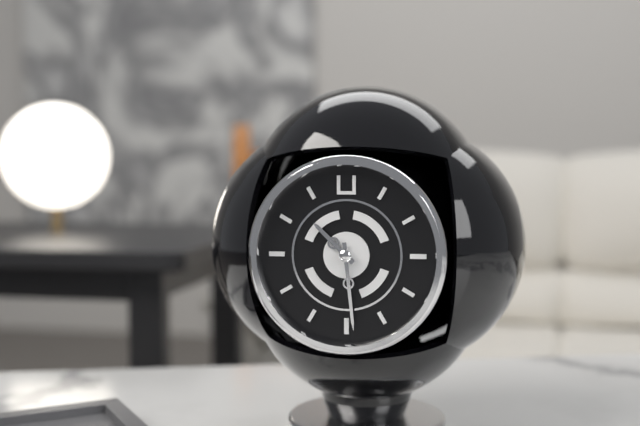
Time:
{"hour": 10, "minute": 29}
